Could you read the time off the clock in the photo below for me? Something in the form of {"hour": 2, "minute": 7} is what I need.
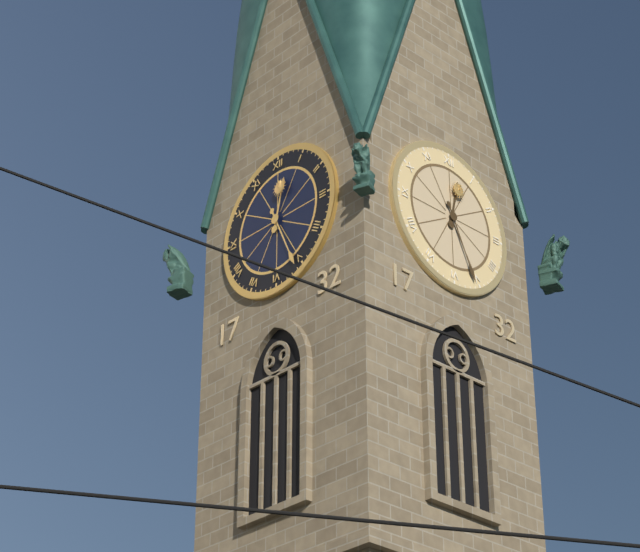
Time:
{"hour": 12, "minute": 26}
